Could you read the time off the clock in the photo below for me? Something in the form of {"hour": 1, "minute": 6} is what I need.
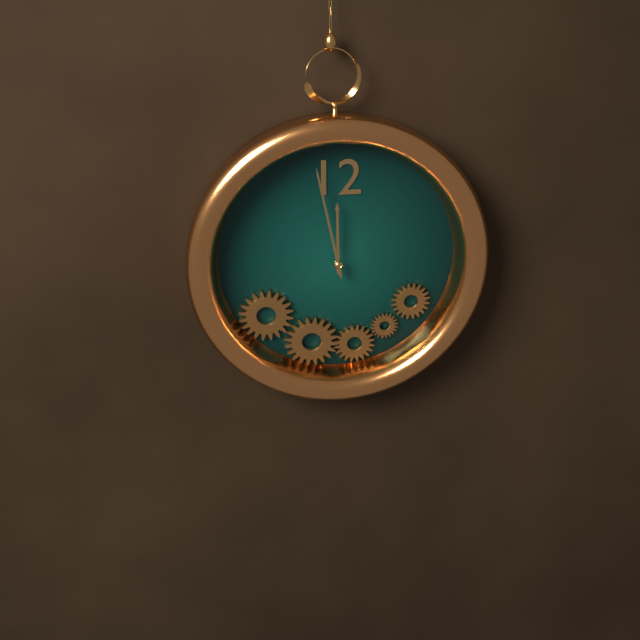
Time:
{"hour": 11, "minute": 58}
